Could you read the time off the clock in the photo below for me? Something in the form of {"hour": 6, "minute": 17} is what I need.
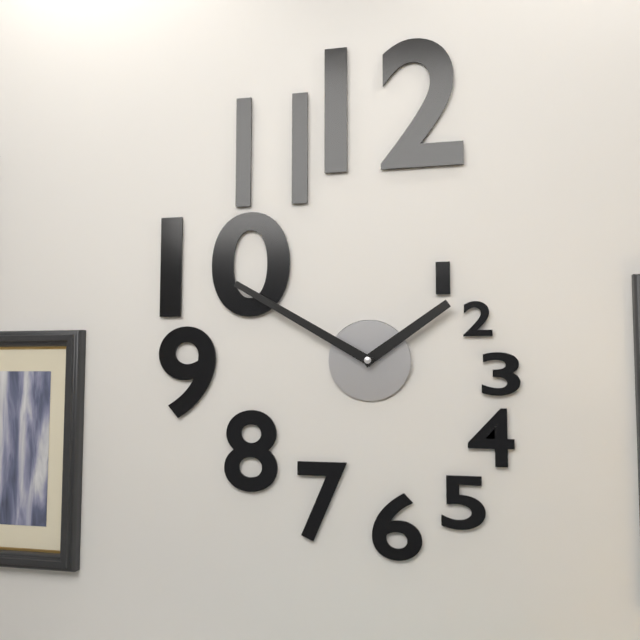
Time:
{"hour": 1, "minute": 50}
